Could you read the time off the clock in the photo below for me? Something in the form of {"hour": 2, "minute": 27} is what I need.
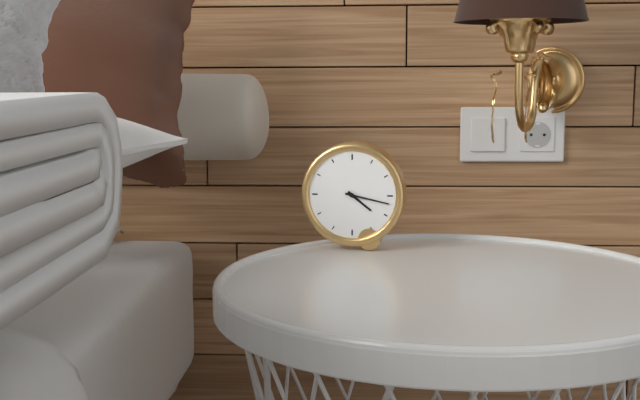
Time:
{"hour": 4, "minute": 17}
